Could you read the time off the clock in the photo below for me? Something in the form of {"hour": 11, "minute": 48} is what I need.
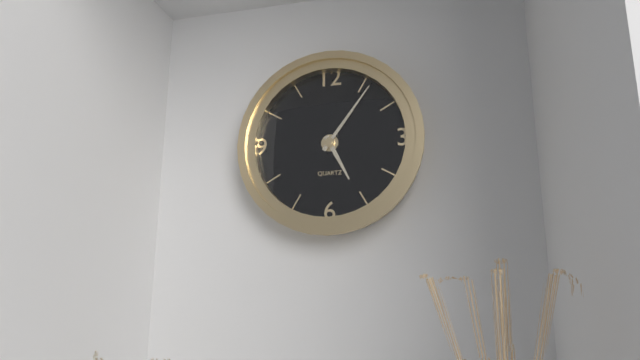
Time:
{"hour": 5, "minute": 6}
